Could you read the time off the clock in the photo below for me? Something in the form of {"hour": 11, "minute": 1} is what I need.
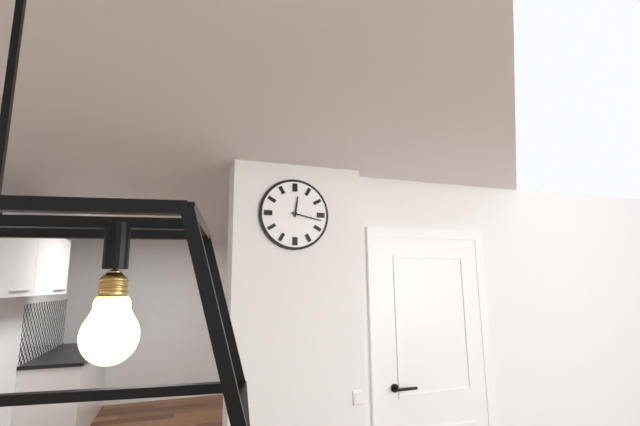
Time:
{"hour": 12, "minute": 17}
